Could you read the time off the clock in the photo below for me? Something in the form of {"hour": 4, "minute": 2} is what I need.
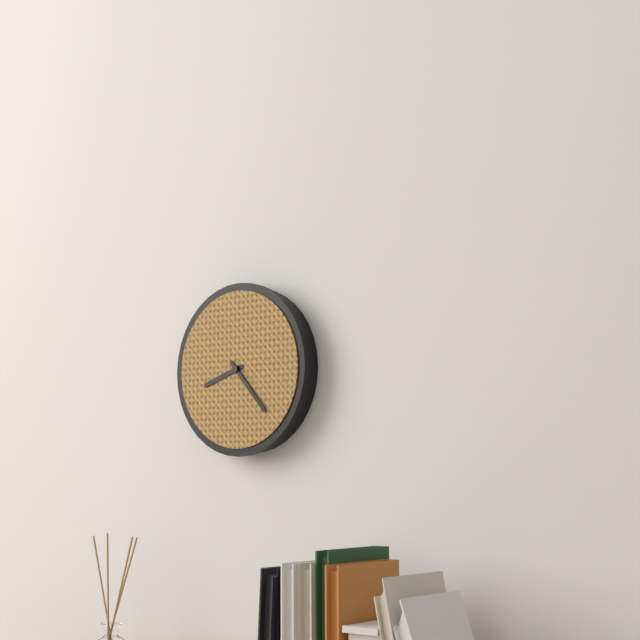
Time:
{"hour": 8, "minute": 23}
